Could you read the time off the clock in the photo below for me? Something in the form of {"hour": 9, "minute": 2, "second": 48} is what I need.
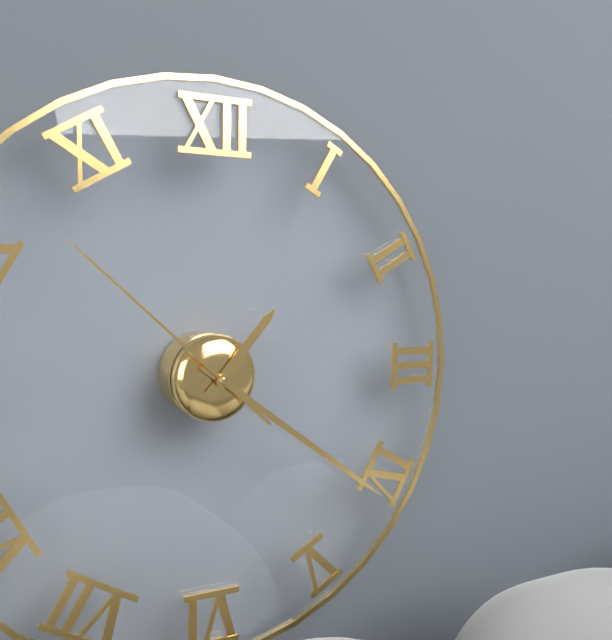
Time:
{"hour": 1, "minute": 21, "second": 52}
